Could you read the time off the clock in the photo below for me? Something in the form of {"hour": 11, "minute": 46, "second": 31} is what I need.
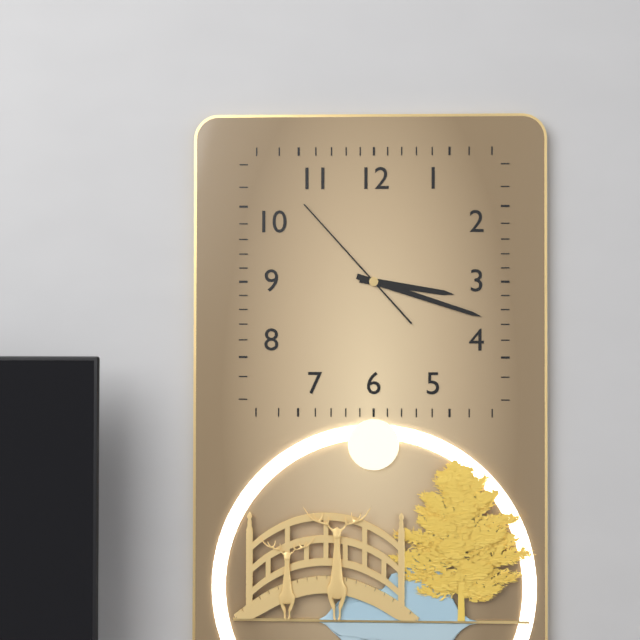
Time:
{"hour": 3, "minute": 18, "second": 53}
